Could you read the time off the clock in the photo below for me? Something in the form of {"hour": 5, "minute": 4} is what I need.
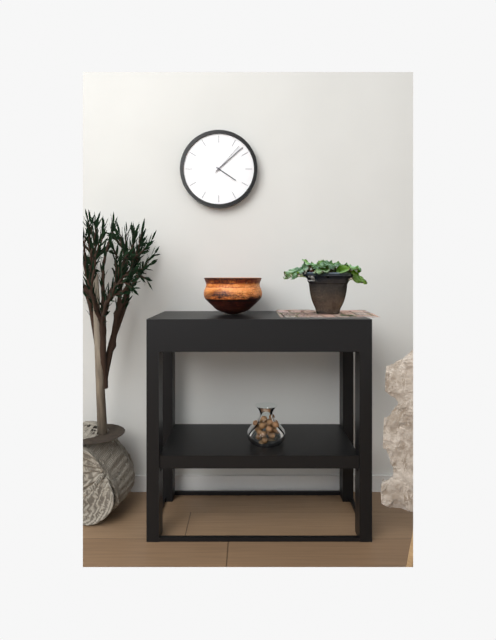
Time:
{"hour": 4, "minute": 8}
